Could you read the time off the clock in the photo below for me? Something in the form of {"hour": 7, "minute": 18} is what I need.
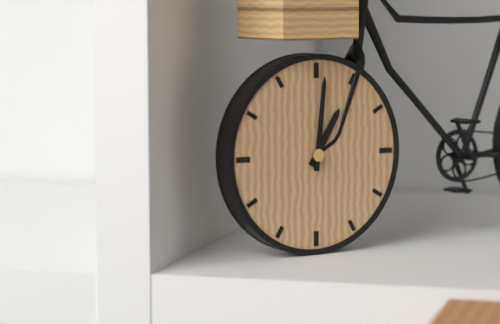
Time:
{"hour": 1, "minute": 1}
